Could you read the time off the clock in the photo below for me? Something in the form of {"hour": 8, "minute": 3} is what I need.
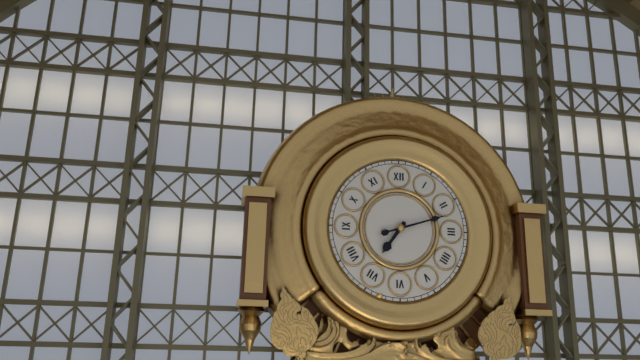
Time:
{"hour": 7, "minute": 12}
